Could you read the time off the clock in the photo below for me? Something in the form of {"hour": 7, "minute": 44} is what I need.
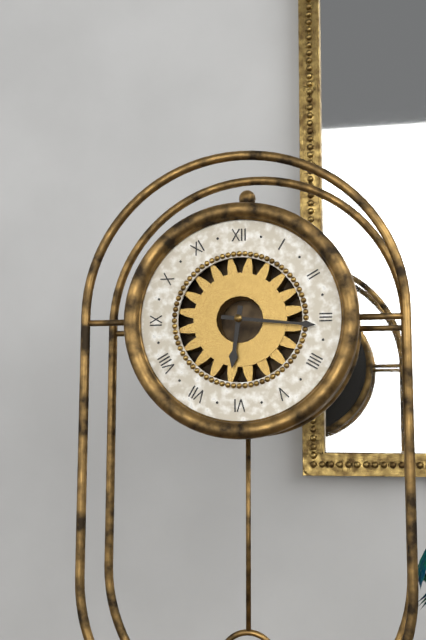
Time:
{"hour": 6, "minute": 16}
